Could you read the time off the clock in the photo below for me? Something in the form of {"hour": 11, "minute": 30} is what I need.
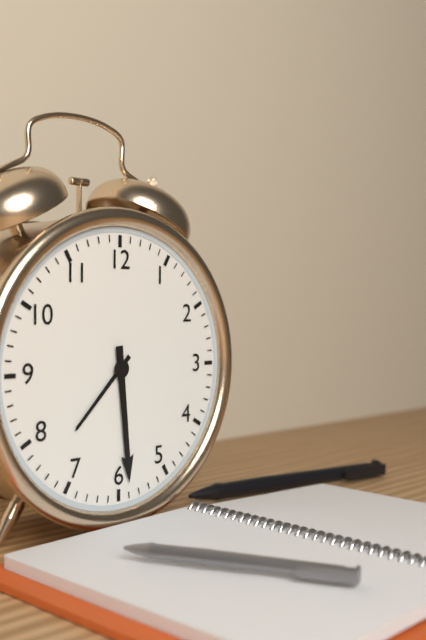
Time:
{"hour": 7, "minute": 29}
